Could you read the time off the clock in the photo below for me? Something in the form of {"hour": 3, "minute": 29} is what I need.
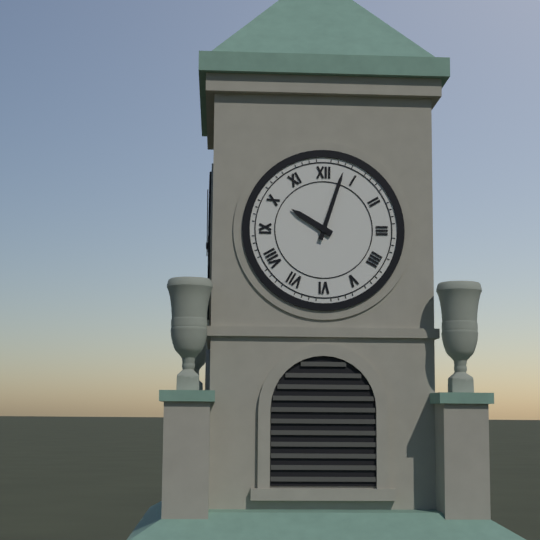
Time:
{"hour": 10, "minute": 3}
